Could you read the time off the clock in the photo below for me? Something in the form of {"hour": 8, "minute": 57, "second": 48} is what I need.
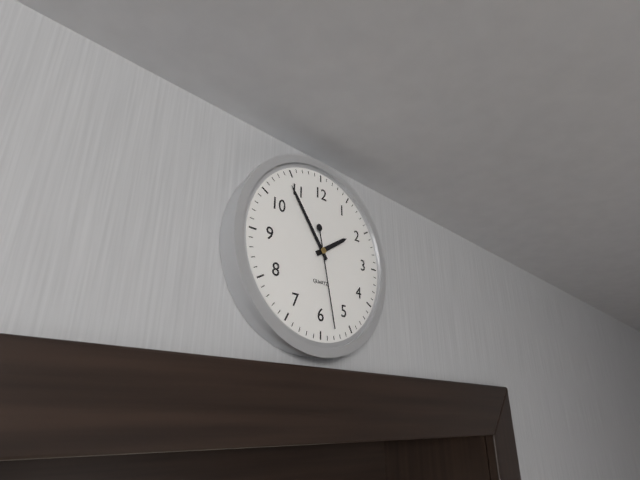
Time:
{"hour": 1, "minute": 54, "second": 28}
